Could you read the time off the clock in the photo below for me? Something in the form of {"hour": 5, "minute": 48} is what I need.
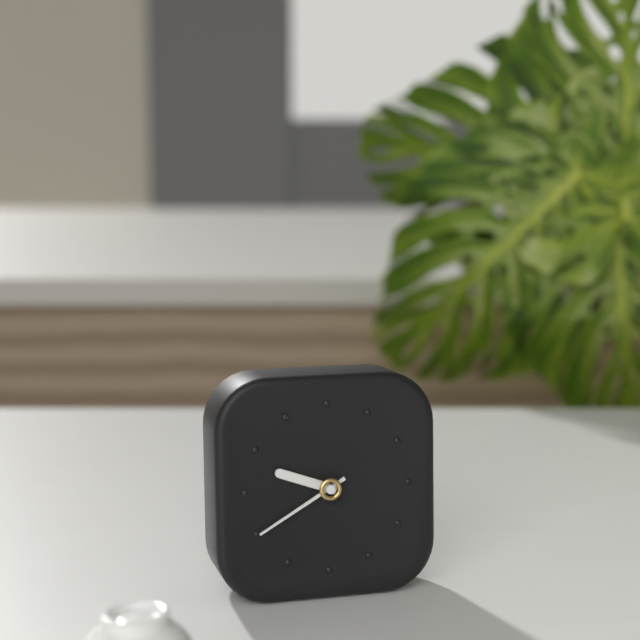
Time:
{"hour": 9, "minute": 40}
